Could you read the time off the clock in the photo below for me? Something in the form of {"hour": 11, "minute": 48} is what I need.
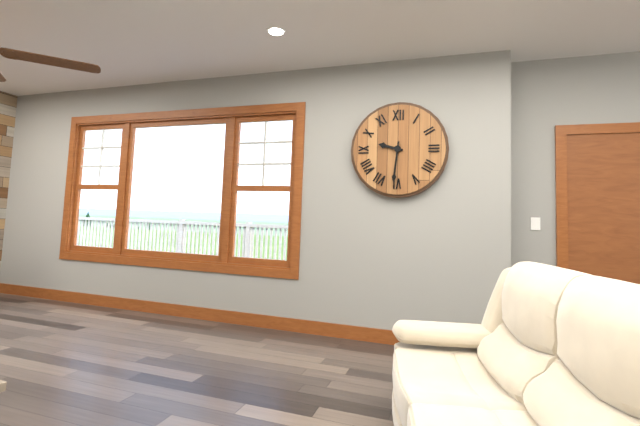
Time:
{"hour": 9, "minute": 31}
